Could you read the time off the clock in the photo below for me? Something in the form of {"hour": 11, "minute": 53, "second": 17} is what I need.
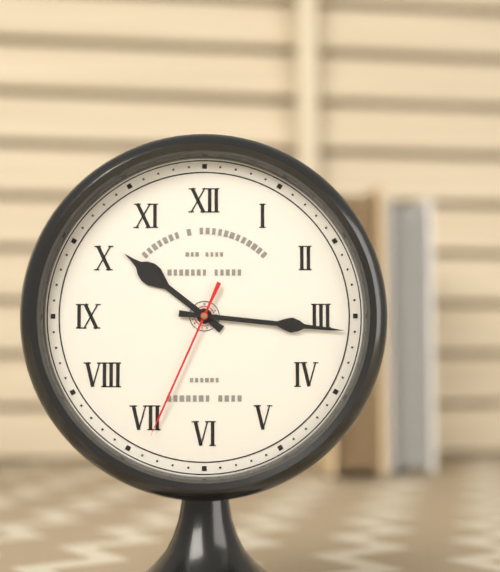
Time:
{"hour": 10, "minute": 16, "second": 34}
